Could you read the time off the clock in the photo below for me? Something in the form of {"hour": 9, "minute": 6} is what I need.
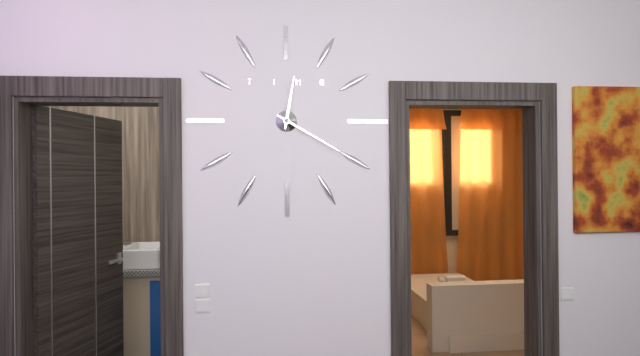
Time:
{"hour": 12, "minute": 20}
